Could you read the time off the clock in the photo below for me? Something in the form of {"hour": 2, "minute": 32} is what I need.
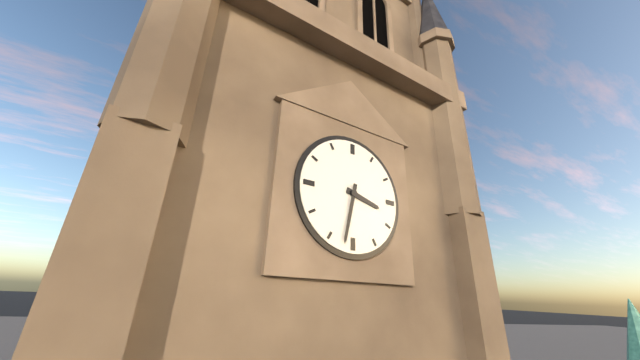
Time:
{"hour": 3, "minute": 32}
